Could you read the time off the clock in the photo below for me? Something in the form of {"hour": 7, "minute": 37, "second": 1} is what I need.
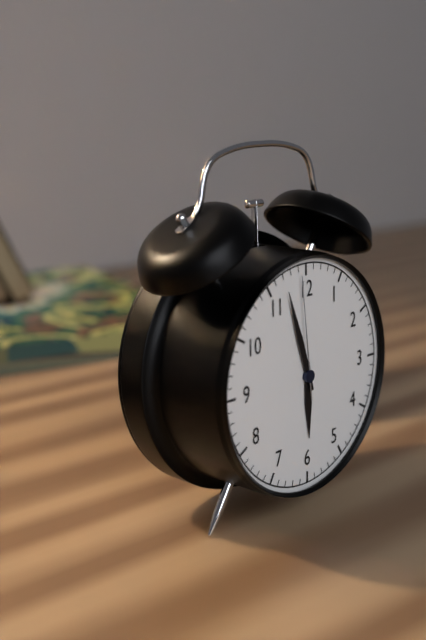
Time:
{"hour": 5, "minute": 57, "second": 59}
